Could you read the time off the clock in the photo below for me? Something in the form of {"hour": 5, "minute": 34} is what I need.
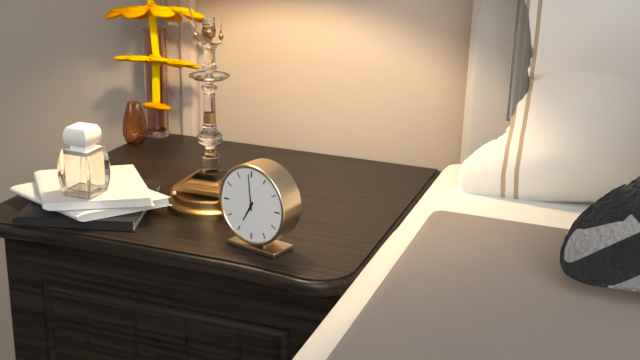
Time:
{"hour": 6, "minute": 59}
